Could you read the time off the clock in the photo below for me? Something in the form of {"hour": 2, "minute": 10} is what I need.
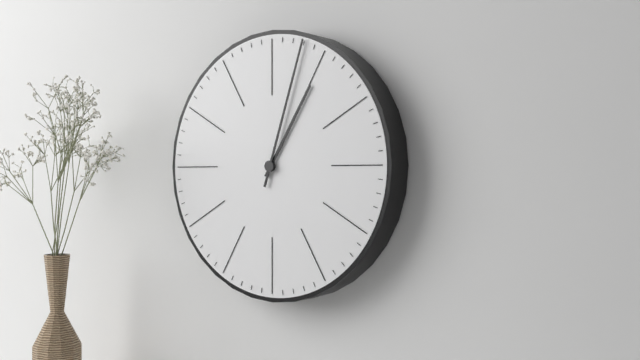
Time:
{"hour": 1, "minute": 3}
